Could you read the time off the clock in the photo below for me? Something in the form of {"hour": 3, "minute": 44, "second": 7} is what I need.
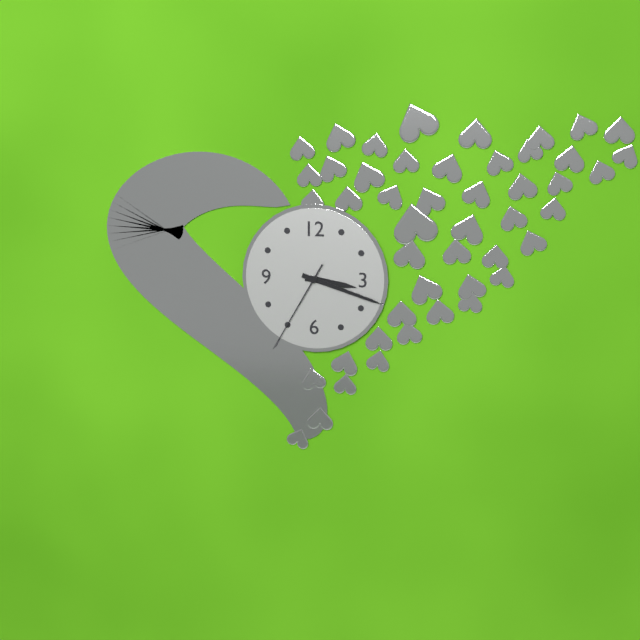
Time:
{"hour": 3, "minute": 18, "second": 35}
